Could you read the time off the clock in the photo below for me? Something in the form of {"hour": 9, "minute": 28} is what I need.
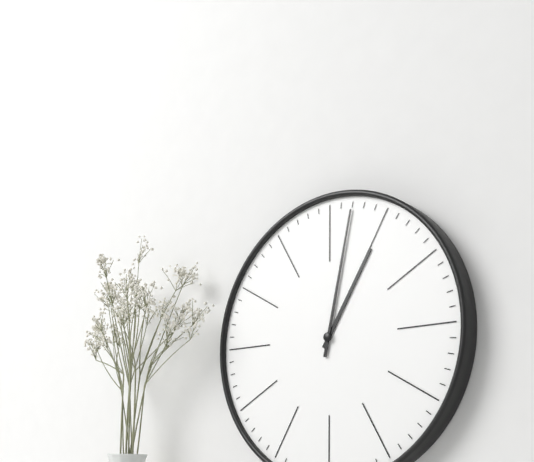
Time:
{"hour": 1, "minute": 2}
